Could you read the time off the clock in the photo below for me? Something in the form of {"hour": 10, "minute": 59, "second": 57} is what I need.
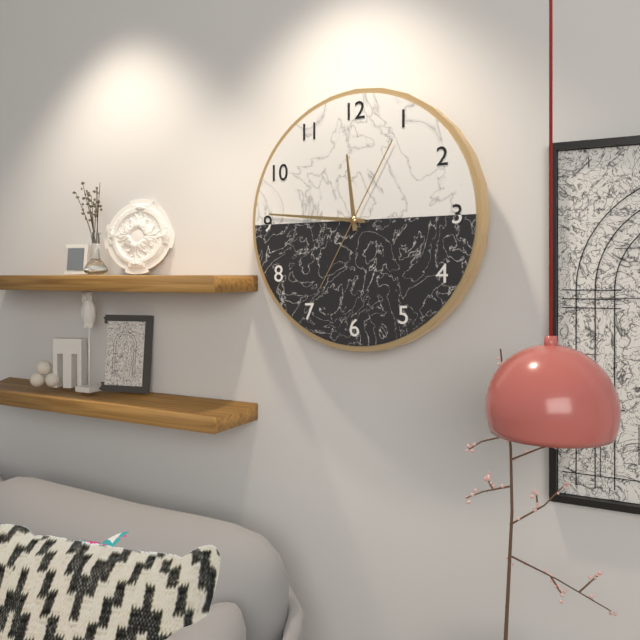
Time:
{"hour": 11, "minute": 46, "second": 5}
